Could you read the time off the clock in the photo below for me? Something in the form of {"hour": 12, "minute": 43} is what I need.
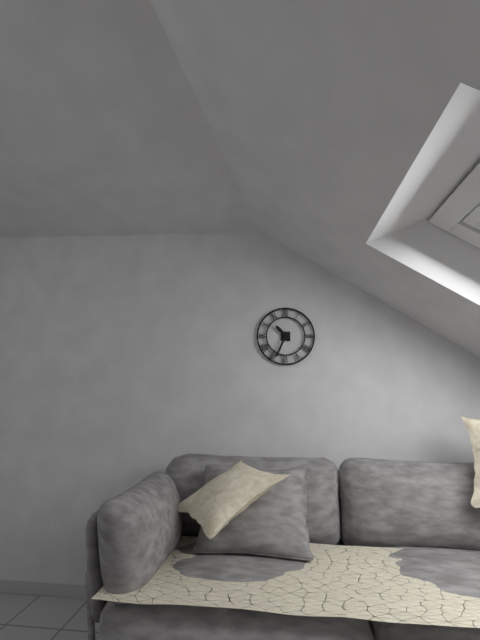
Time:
{"hour": 10, "minute": 34}
